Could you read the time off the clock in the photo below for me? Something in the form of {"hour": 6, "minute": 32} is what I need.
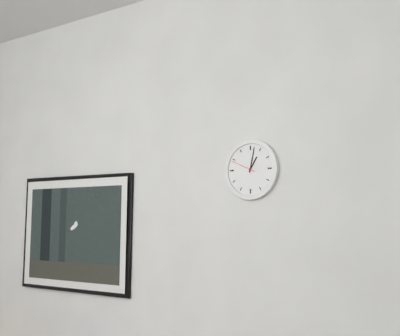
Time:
{"hour": 1, "minute": 2}
